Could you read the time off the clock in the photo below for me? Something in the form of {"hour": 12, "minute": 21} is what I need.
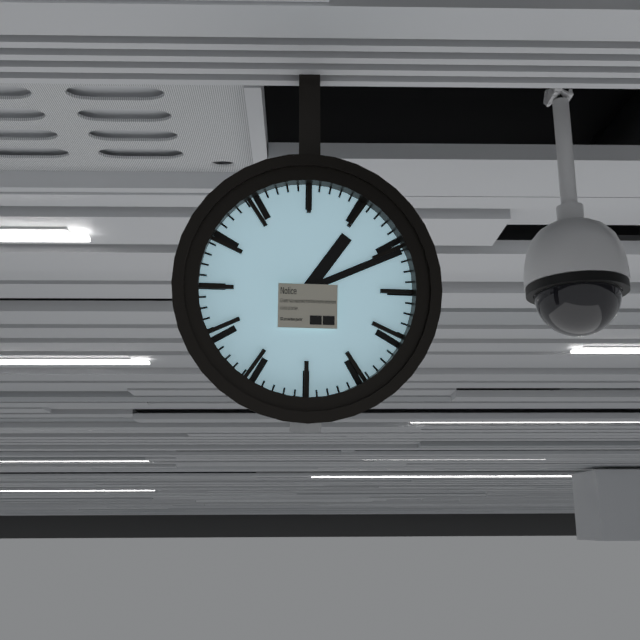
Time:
{"hour": 1, "minute": 11}
